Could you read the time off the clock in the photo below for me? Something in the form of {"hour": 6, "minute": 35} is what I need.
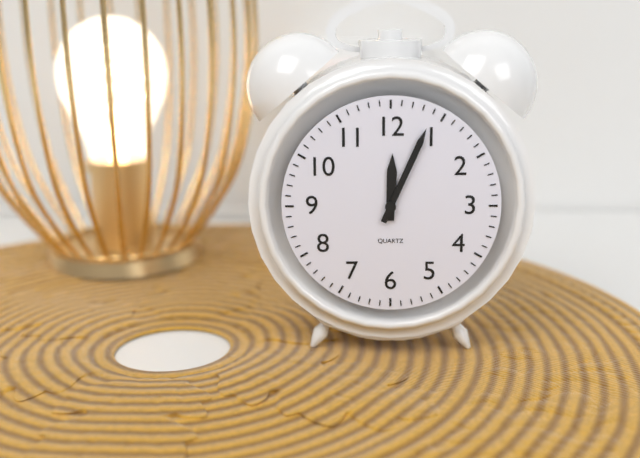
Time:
{"hour": 12, "minute": 4}
